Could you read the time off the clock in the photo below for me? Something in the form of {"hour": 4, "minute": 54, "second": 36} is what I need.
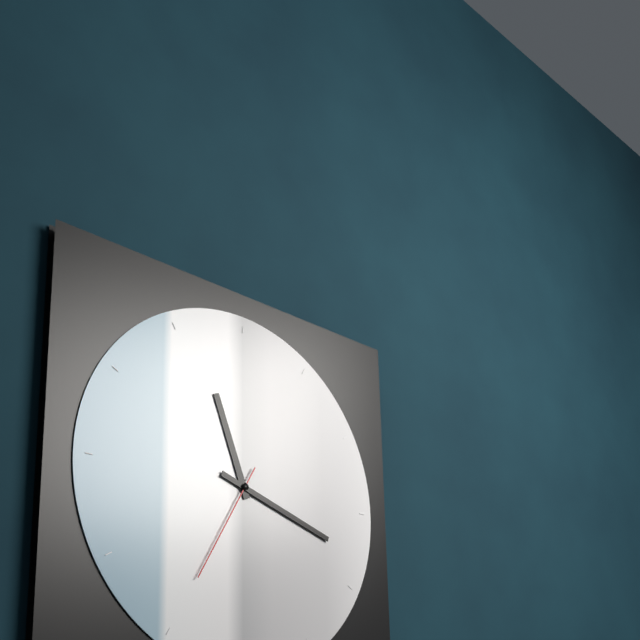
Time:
{"hour": 11, "minute": 18, "second": 35}
